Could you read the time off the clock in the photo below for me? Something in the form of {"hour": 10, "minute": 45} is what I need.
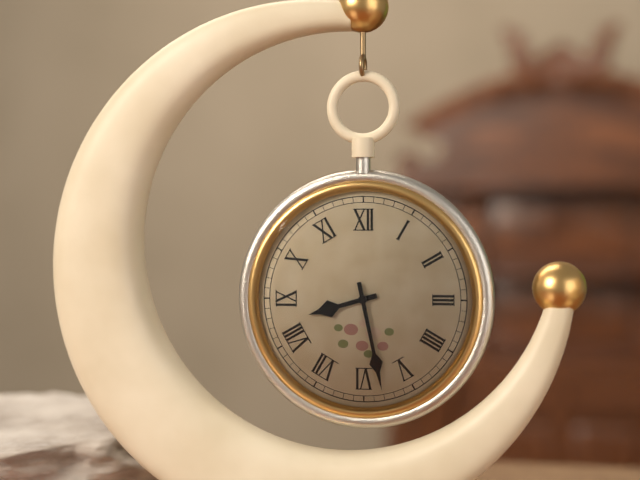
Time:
{"hour": 8, "minute": 28}
